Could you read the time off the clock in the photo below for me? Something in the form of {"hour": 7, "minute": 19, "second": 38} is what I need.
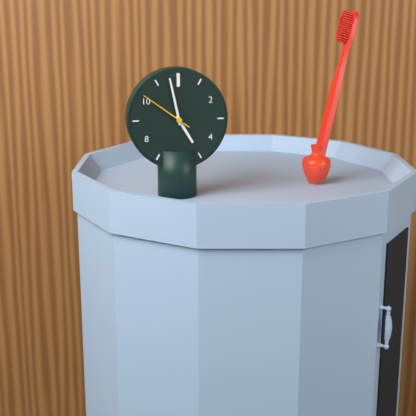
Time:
{"hour": 4, "minute": 58, "second": 51}
